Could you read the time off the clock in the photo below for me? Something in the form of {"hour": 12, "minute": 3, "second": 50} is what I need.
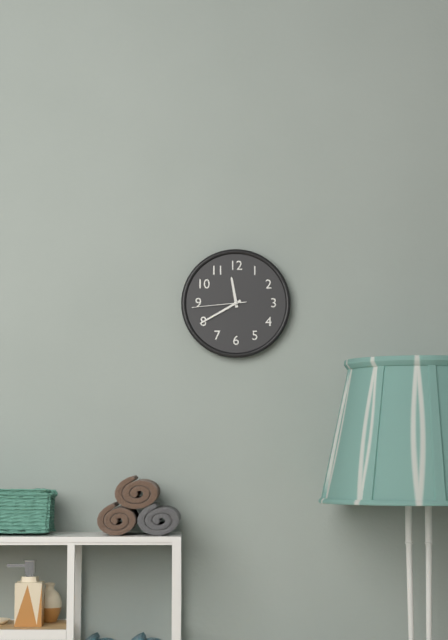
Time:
{"hour": 11, "minute": 40, "second": 44}
